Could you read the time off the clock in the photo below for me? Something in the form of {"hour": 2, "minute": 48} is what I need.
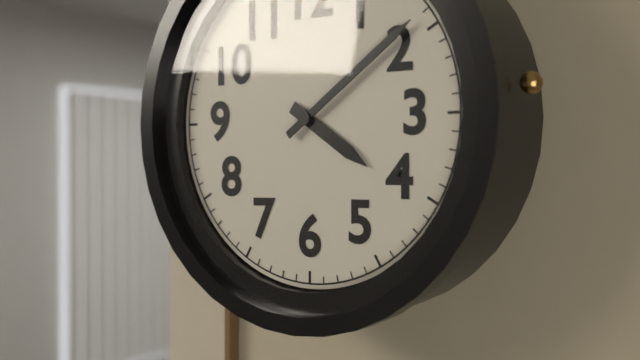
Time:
{"hour": 4, "minute": 9}
